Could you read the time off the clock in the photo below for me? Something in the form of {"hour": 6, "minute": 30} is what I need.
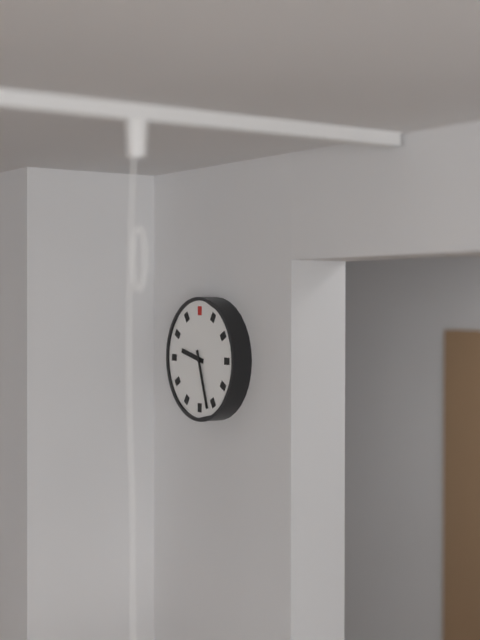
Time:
{"hour": 9, "minute": 27}
